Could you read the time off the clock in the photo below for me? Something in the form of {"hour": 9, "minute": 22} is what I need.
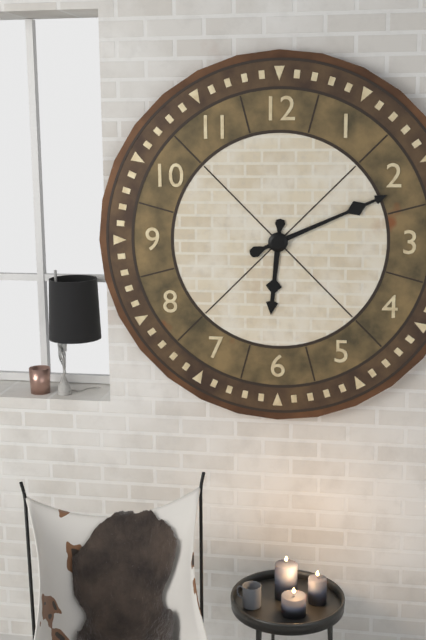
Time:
{"hour": 6, "minute": 11}
